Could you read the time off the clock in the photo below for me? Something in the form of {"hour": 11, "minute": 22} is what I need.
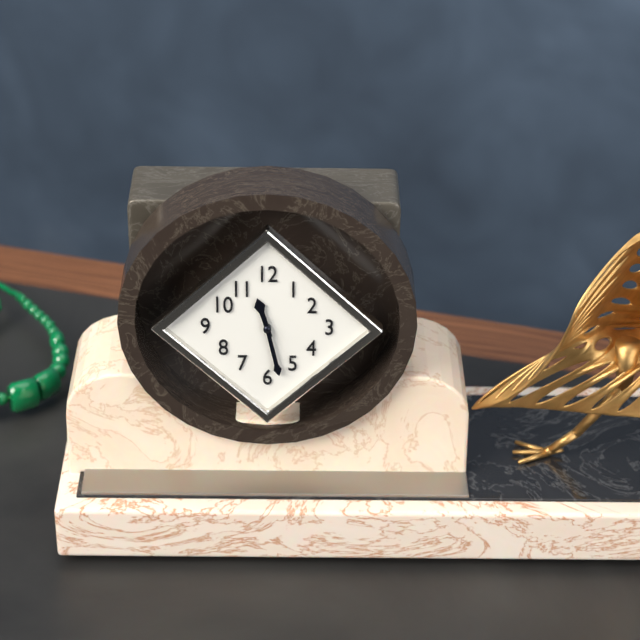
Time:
{"hour": 11, "minute": 28}
